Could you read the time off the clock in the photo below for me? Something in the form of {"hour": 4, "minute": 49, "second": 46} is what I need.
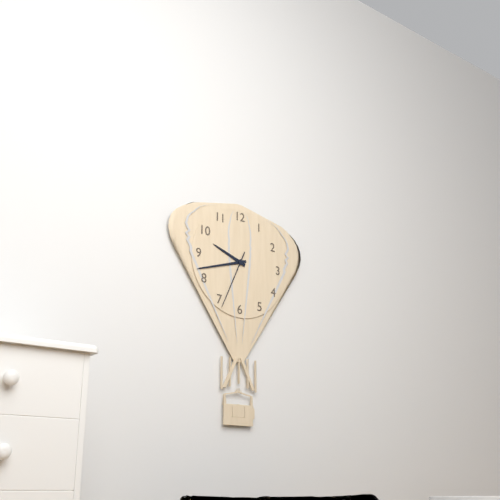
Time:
{"hour": 9, "minute": 42, "second": 34}
